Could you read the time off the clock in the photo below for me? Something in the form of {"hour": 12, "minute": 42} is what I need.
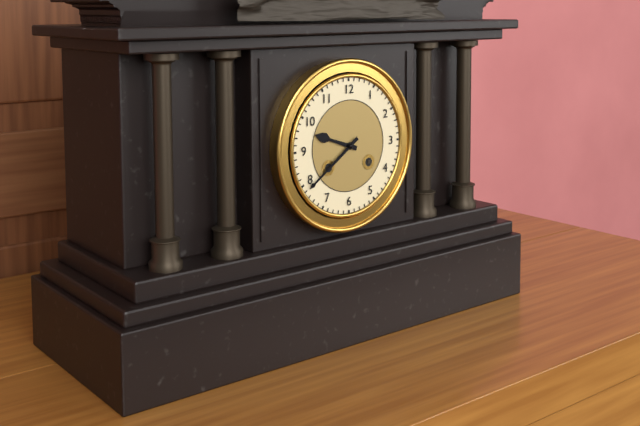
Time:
{"hour": 9, "minute": 39}
